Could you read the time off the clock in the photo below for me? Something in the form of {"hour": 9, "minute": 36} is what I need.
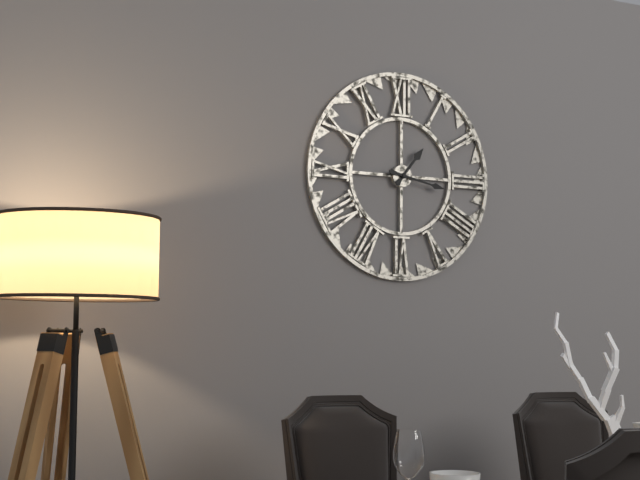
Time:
{"hour": 1, "minute": 17}
